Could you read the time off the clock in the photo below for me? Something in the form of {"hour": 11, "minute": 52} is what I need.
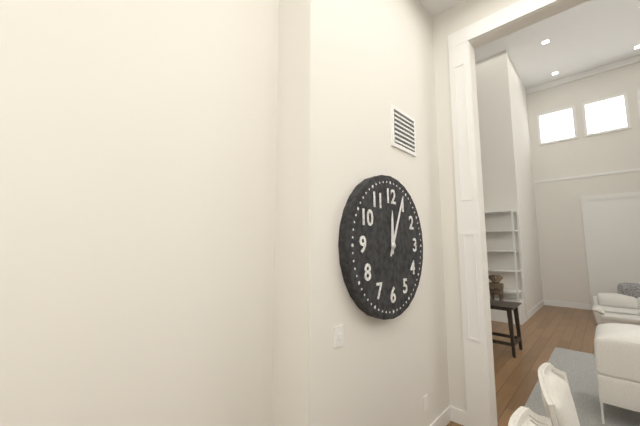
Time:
{"hour": 12, "minute": 4}
